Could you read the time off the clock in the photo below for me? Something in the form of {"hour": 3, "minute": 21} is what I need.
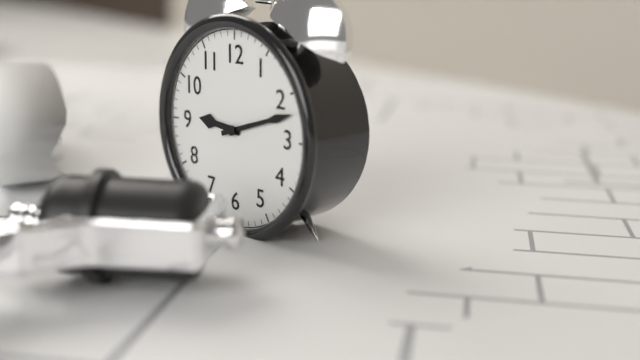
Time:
{"hour": 9, "minute": 12}
